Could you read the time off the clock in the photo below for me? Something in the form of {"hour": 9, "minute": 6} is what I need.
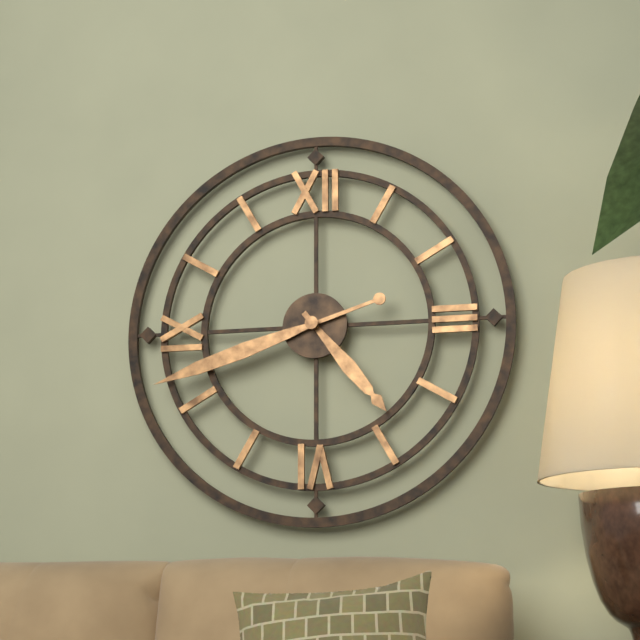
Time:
{"hour": 4, "minute": 42}
